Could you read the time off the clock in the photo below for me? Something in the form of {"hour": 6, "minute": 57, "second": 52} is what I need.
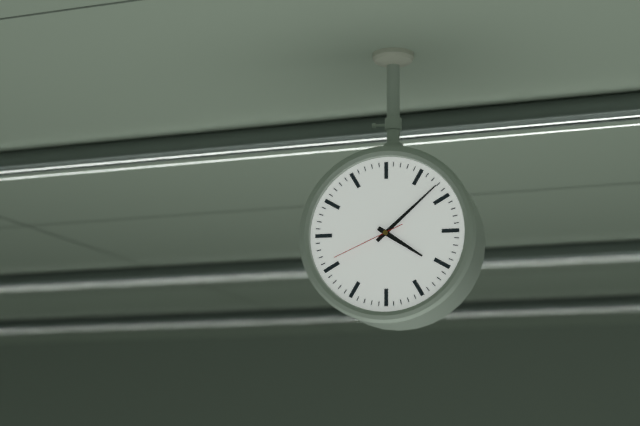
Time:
{"hour": 4, "minute": 8, "second": 41}
